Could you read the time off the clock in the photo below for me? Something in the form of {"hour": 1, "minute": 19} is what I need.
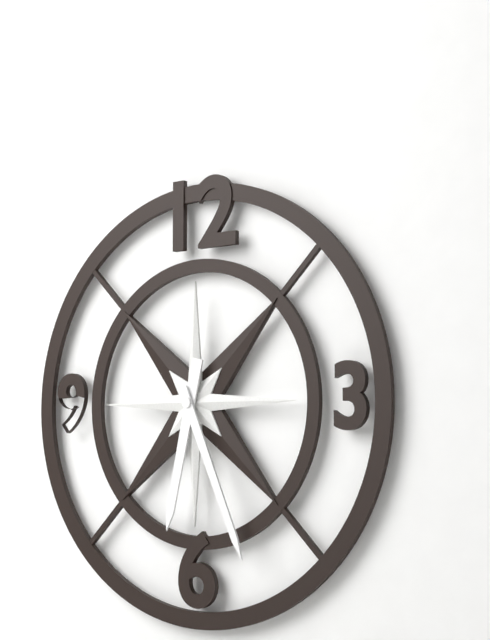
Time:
{"hour": 6, "minute": 26}
